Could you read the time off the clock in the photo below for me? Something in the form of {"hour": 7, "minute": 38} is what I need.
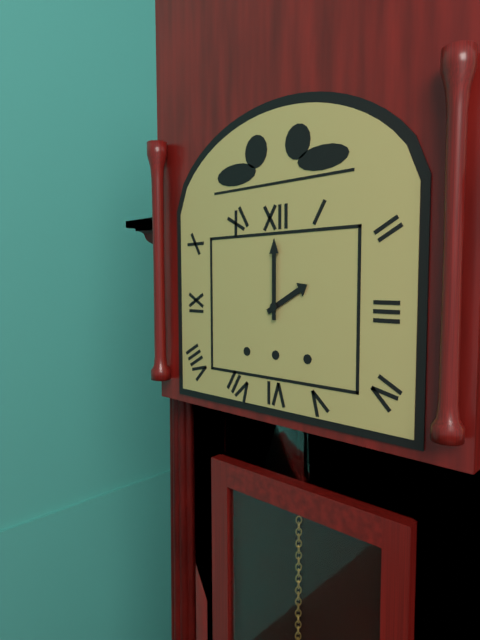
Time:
{"hour": 2, "minute": 0}
